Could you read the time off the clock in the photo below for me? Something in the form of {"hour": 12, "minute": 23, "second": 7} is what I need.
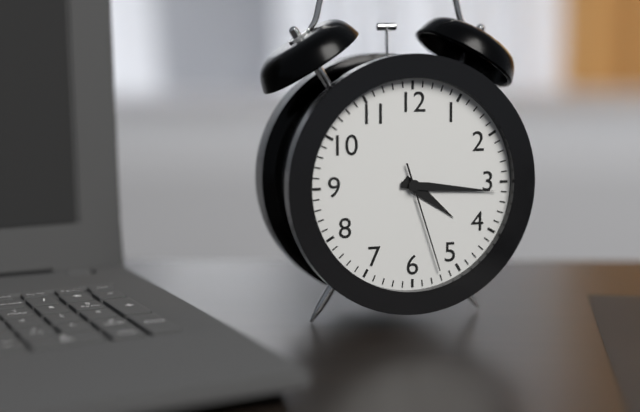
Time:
{"hour": 4, "minute": 16, "second": 27}
